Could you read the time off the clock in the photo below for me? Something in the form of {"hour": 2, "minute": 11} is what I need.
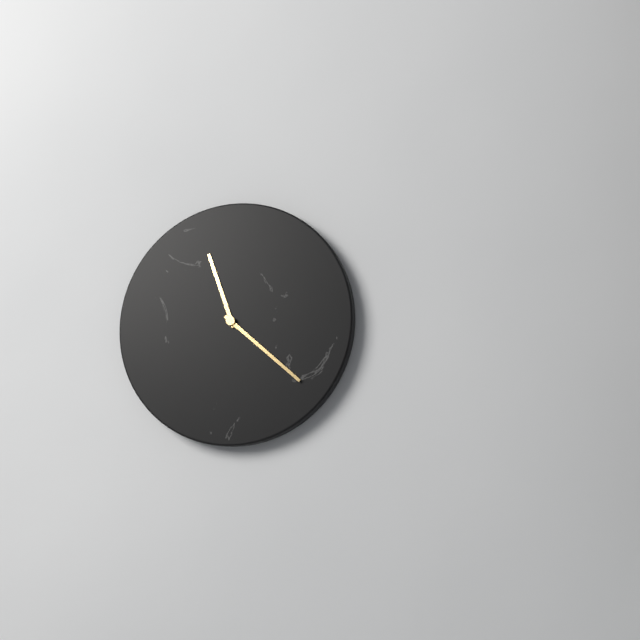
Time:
{"hour": 11, "minute": 22}
